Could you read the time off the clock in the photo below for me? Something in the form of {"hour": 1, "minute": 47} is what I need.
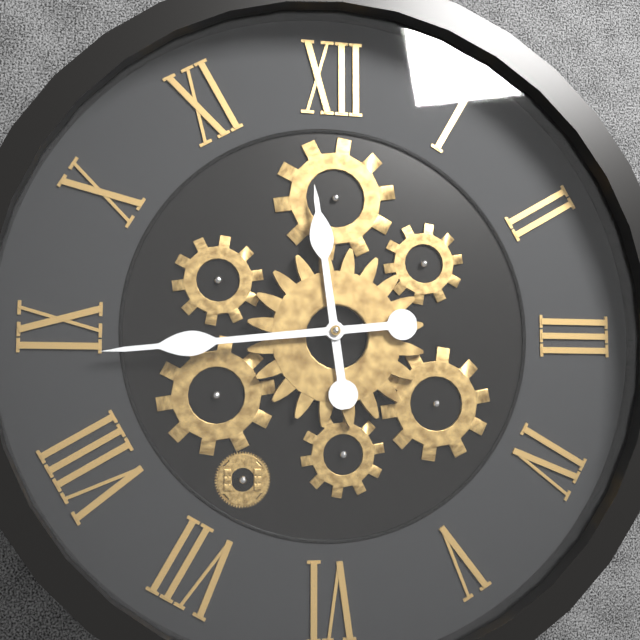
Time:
{"hour": 11, "minute": 44}
